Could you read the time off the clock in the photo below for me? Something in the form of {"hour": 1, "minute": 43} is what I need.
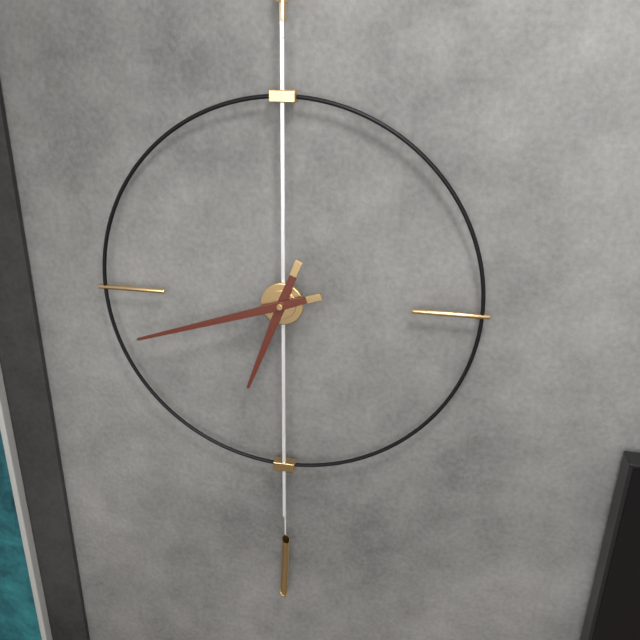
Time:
{"hour": 6, "minute": 42}
